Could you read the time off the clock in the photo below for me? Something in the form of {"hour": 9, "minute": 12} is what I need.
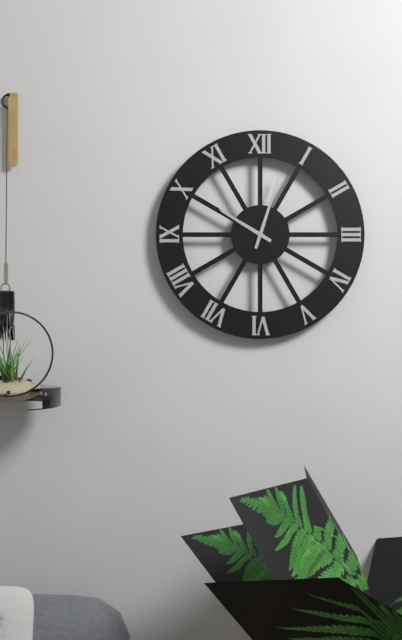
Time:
{"hour": 10, "minute": 3}
